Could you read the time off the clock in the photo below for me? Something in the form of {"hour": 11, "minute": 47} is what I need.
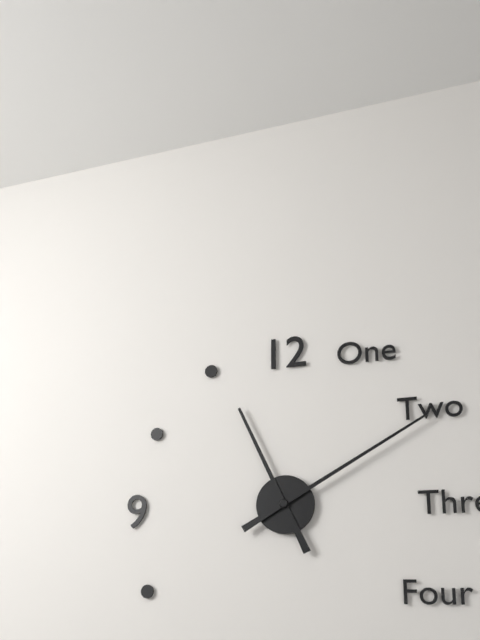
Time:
{"hour": 11, "minute": 10}
